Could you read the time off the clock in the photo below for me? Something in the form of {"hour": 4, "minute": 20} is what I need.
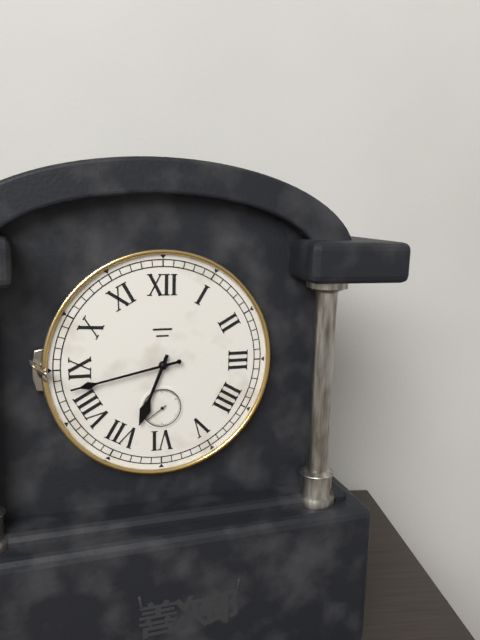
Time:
{"hour": 6, "minute": 43}
